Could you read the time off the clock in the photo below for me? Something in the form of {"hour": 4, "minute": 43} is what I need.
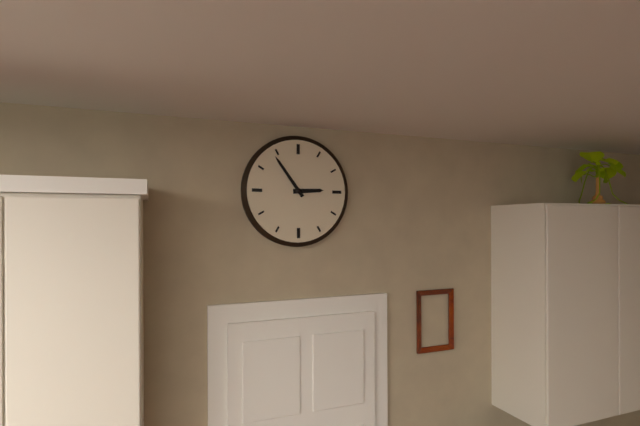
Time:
{"hour": 2, "minute": 54}
